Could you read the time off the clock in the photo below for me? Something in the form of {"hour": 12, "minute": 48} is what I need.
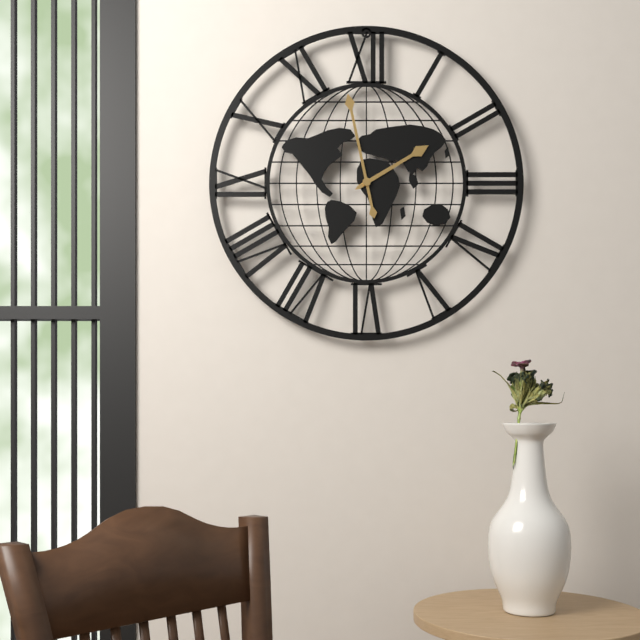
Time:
{"hour": 1, "minute": 58}
